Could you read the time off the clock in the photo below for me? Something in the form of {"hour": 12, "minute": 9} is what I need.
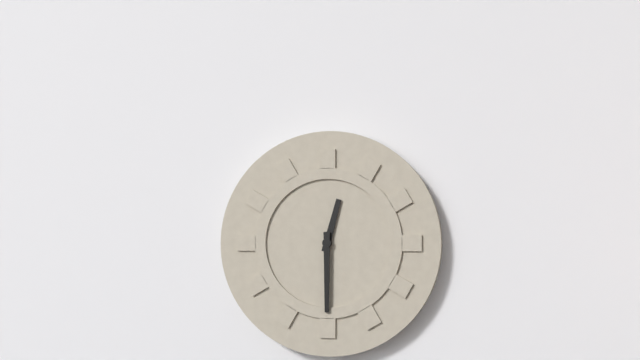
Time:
{"hour": 12, "minute": 30}
